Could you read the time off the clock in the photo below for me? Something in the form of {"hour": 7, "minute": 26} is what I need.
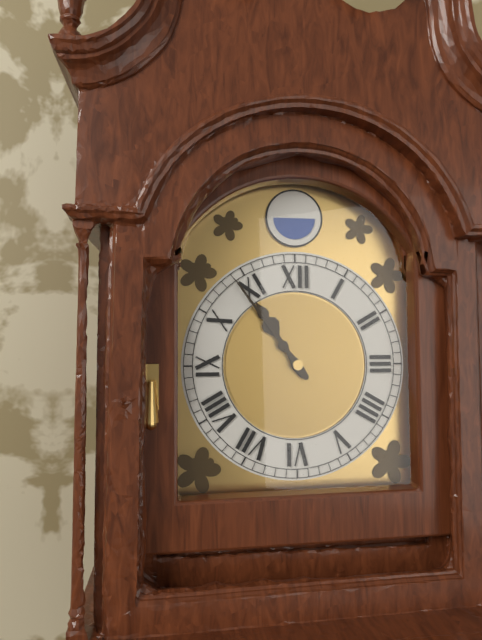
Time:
{"hour": 10, "minute": 54}
